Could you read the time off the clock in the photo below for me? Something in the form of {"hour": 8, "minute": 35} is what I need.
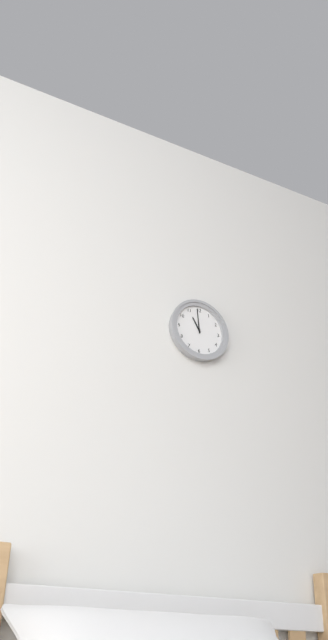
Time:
{"hour": 10, "minute": 59}
